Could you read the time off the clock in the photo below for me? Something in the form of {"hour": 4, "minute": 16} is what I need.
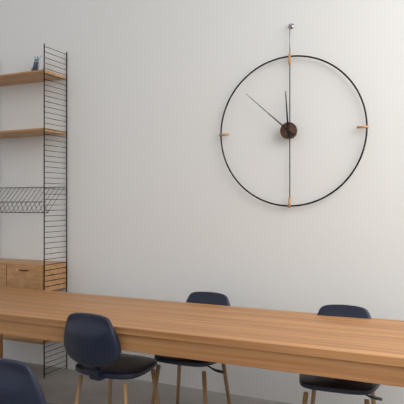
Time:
{"hour": 11, "minute": 52}
